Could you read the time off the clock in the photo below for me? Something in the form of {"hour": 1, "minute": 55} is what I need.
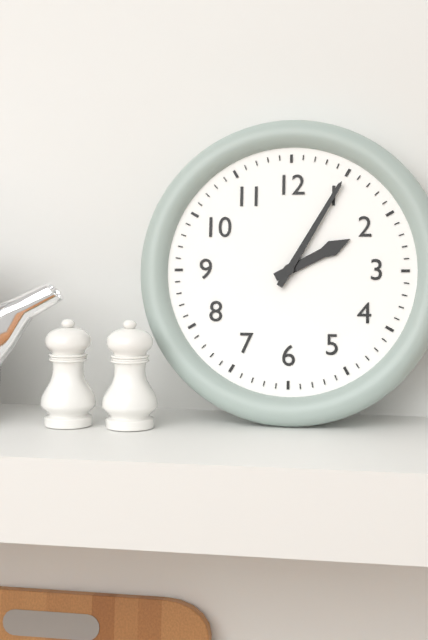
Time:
{"hour": 2, "minute": 5}
